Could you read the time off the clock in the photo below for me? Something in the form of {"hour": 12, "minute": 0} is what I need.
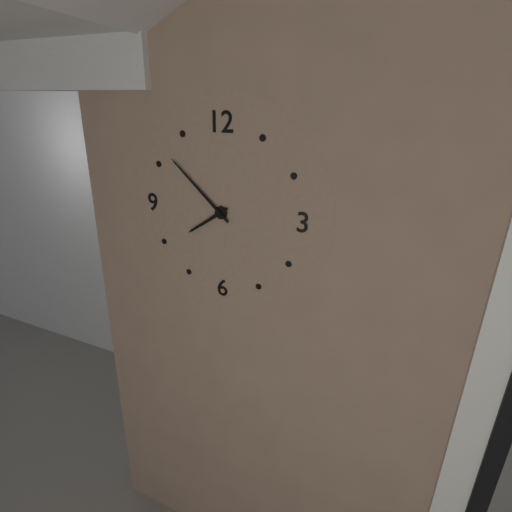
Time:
{"hour": 7, "minute": 52}
